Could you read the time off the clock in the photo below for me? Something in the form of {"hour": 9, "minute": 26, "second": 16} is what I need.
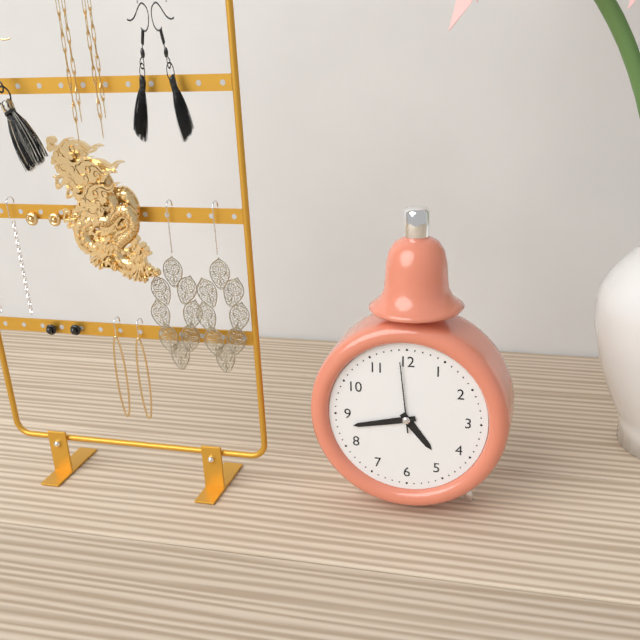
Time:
{"hour": 4, "minute": 43, "second": 59}
